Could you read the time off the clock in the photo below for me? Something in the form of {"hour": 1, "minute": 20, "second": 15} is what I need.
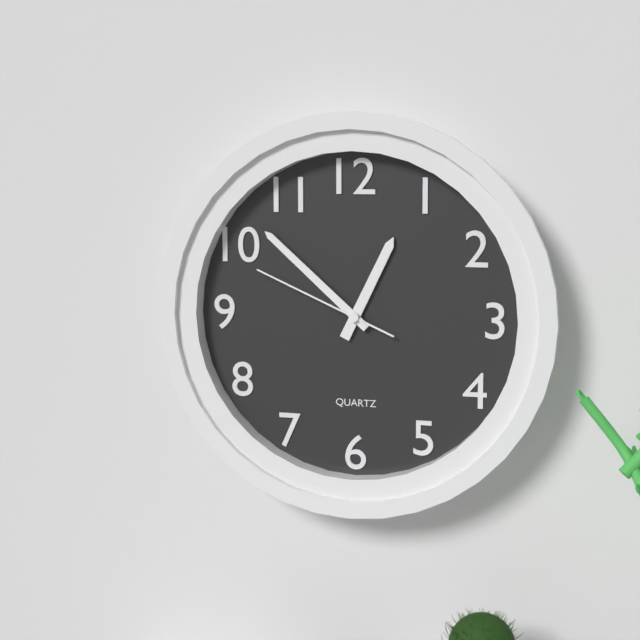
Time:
{"hour": 12, "minute": 52, "second": 49}
